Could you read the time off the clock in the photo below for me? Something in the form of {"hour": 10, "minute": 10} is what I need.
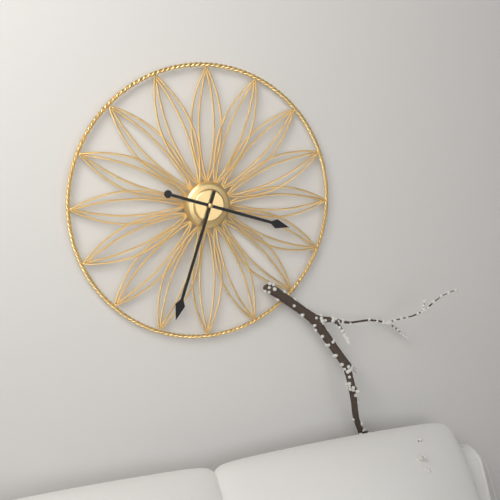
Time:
{"hour": 3, "minute": 33}
